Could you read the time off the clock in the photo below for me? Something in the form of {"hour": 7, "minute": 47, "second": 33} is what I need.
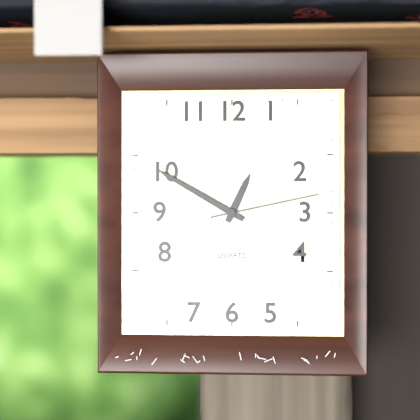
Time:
{"hour": 12, "minute": 50, "second": 13}
